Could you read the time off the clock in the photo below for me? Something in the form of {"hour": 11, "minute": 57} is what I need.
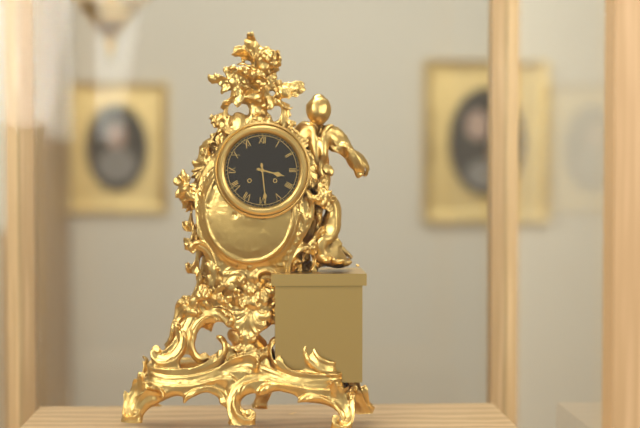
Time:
{"hour": 3, "minute": 29}
